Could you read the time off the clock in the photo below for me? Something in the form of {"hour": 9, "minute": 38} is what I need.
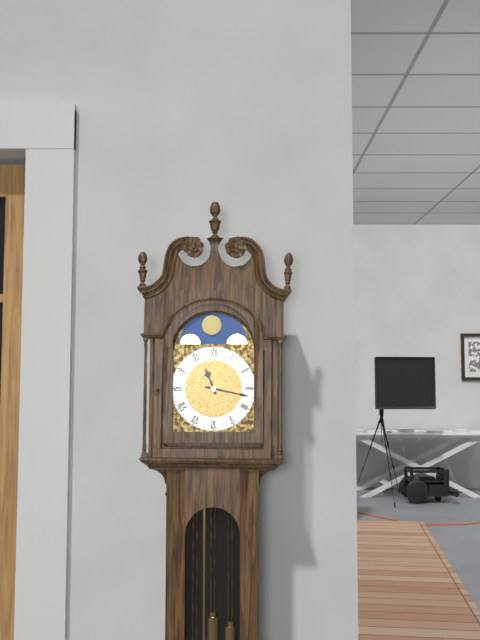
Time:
{"hour": 11, "minute": 17}
